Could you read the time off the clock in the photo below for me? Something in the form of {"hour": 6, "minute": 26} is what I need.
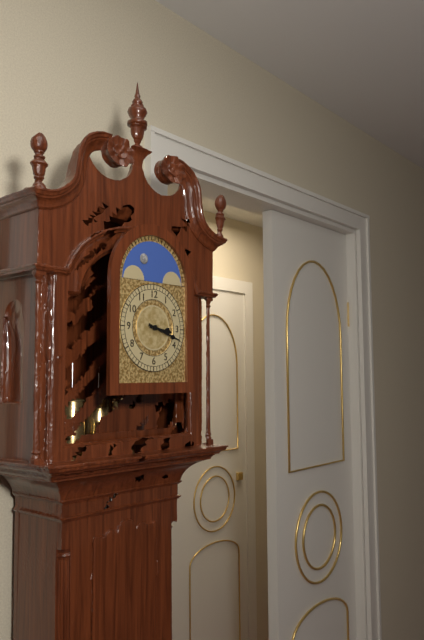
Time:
{"hour": 3, "minute": 18}
